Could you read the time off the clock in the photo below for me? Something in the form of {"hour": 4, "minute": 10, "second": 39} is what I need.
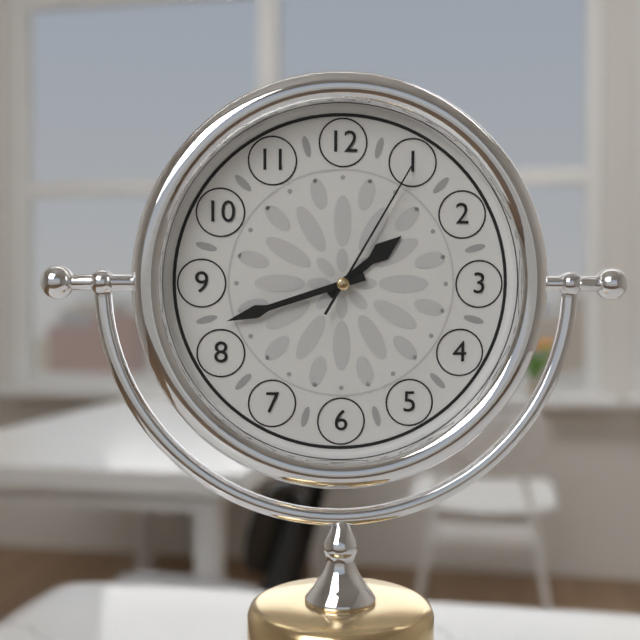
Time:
{"hour": 1, "minute": 42, "second": 5}
